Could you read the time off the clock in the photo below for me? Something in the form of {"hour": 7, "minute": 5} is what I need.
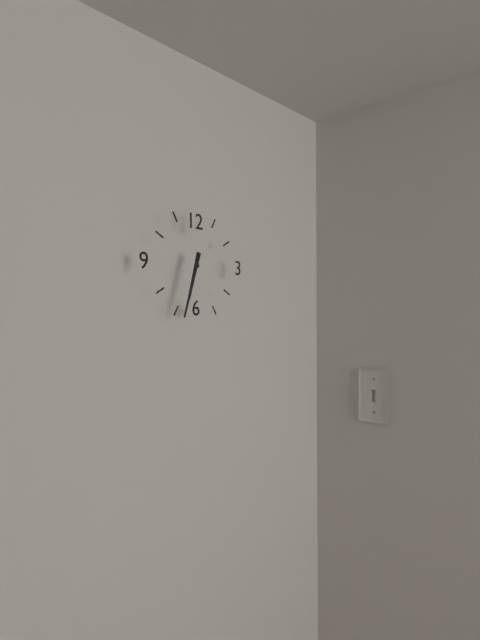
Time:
{"hour": 6, "minute": 33}
